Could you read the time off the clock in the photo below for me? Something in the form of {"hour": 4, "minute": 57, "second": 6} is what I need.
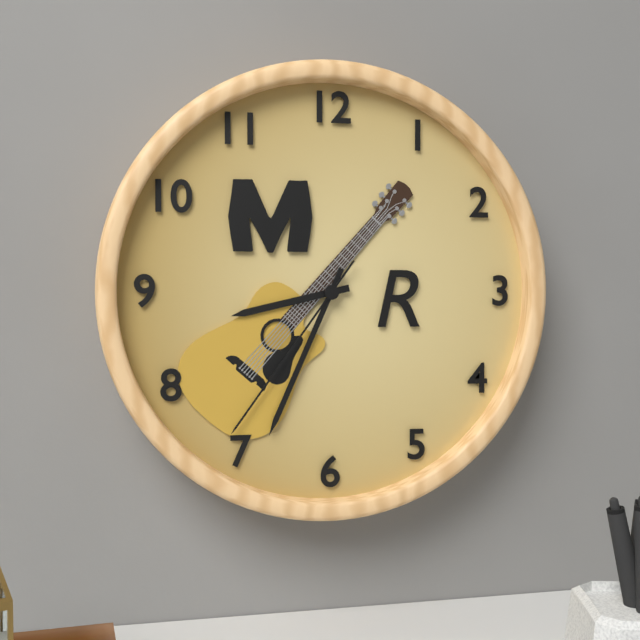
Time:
{"hour": 8, "minute": 34, "second": 36}
